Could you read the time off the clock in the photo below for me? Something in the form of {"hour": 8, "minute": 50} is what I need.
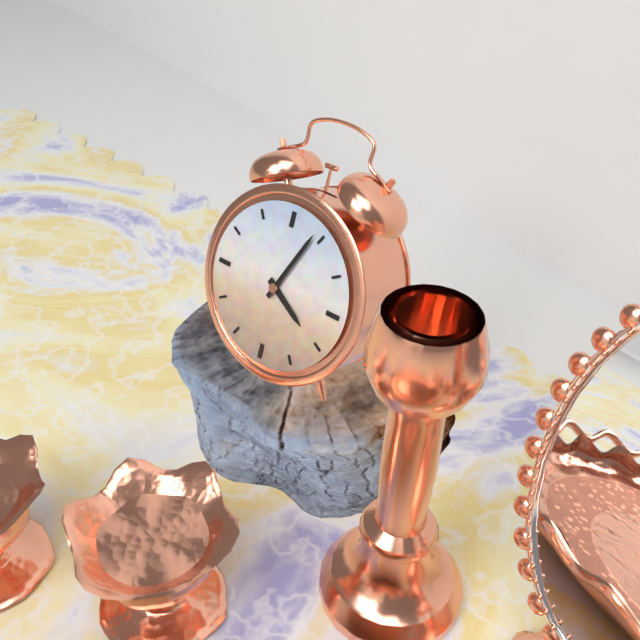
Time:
{"hour": 4, "minute": 4}
